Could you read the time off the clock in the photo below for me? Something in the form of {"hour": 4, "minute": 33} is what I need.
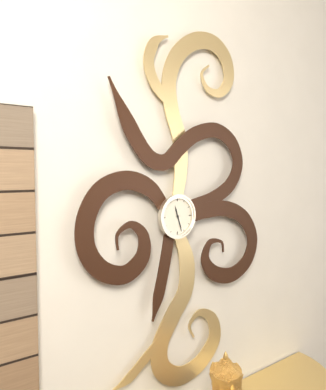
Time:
{"hour": 11, "minute": 27}
